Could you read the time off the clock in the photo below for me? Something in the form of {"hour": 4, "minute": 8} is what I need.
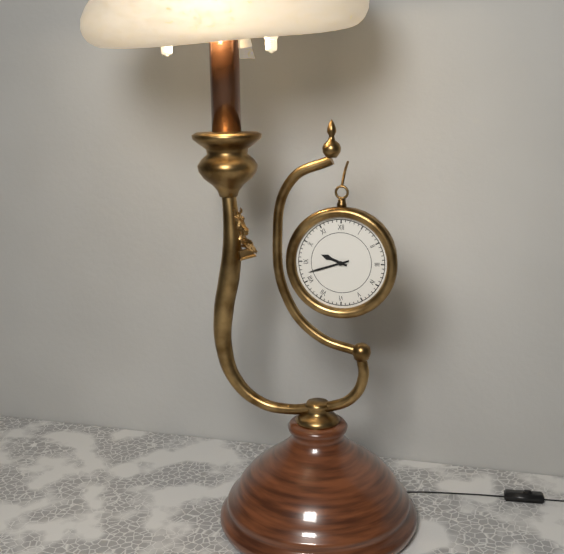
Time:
{"hour": 9, "minute": 42}
